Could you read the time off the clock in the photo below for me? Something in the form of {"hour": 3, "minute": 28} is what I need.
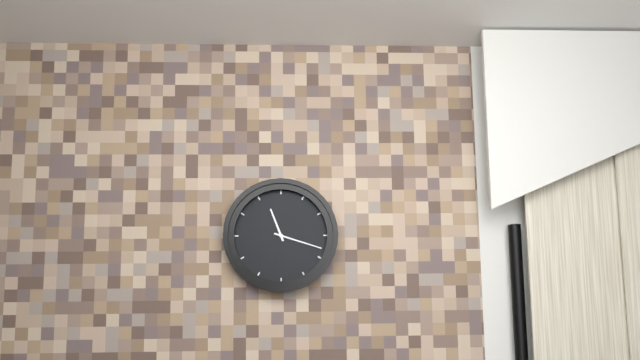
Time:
{"hour": 11, "minute": 18}
